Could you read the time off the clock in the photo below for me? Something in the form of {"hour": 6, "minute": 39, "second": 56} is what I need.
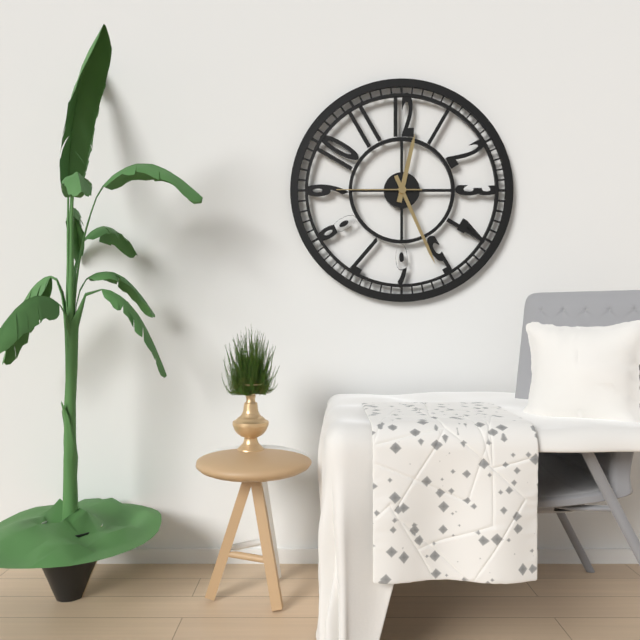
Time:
{"hour": 12, "minute": 26, "second": 45}
